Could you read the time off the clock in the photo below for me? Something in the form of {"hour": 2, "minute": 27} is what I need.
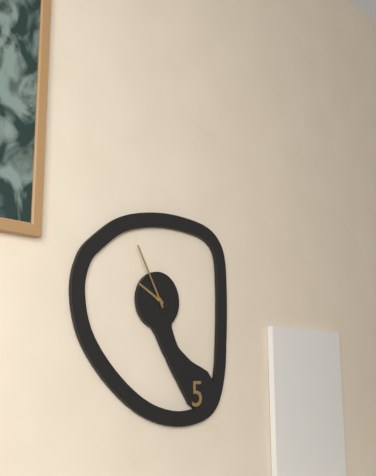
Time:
{"hour": 9, "minute": 55}
